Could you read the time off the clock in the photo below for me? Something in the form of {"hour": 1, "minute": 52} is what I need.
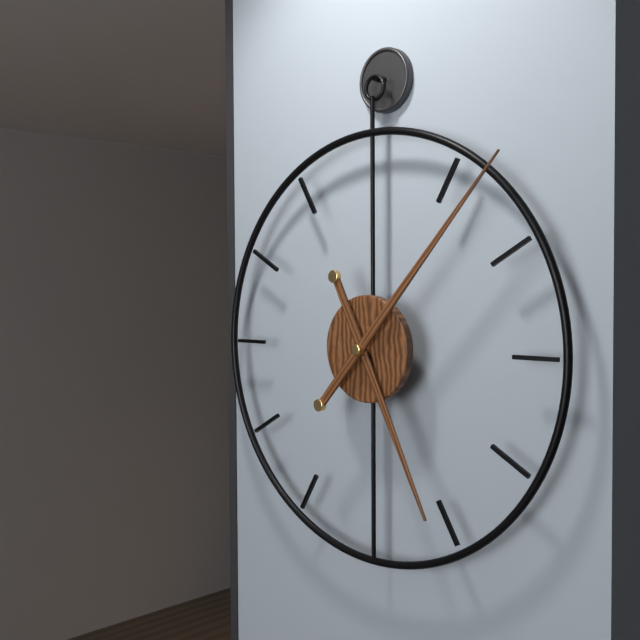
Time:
{"hour": 5, "minute": 7}
